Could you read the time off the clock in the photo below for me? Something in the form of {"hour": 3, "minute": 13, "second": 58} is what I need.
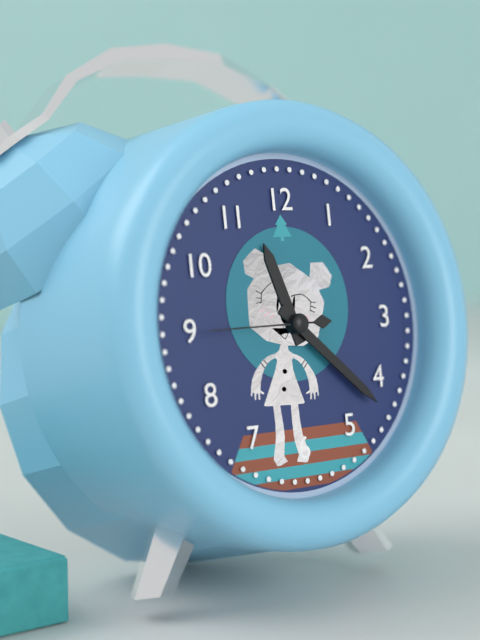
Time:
{"hour": 11, "minute": 22, "second": 45}
